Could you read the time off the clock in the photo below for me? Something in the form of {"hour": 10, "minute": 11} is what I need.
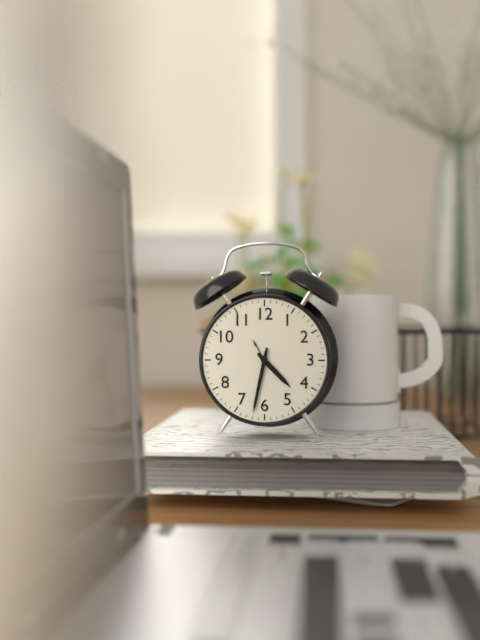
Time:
{"hour": 4, "minute": 32}
